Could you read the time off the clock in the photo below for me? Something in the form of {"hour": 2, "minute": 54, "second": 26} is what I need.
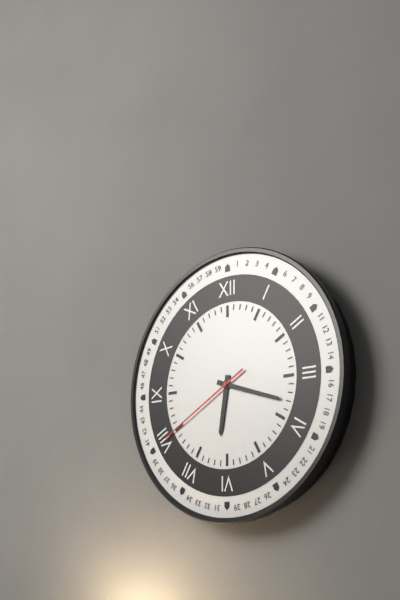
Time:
{"hour": 6, "minute": 18, "second": 40}
